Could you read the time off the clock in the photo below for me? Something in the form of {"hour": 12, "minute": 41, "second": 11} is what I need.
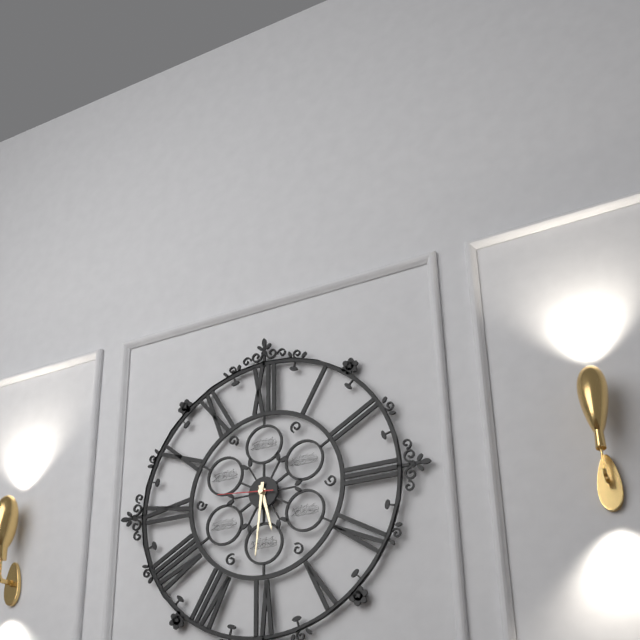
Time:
{"hour": 5, "minute": 31, "second": 46}
